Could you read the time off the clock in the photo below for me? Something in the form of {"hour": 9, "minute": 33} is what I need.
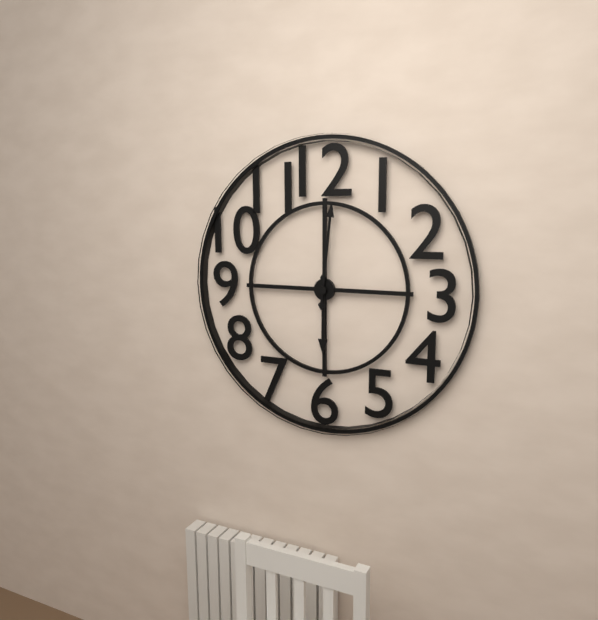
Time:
{"hour": 6, "minute": 1}
